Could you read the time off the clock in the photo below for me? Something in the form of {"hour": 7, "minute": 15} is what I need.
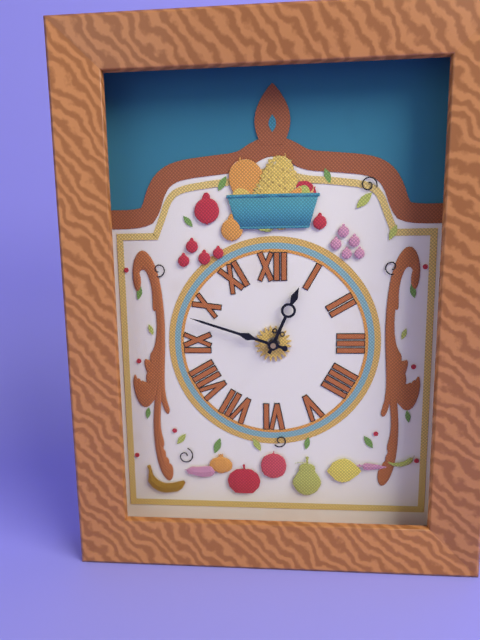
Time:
{"hour": 12, "minute": 48}
